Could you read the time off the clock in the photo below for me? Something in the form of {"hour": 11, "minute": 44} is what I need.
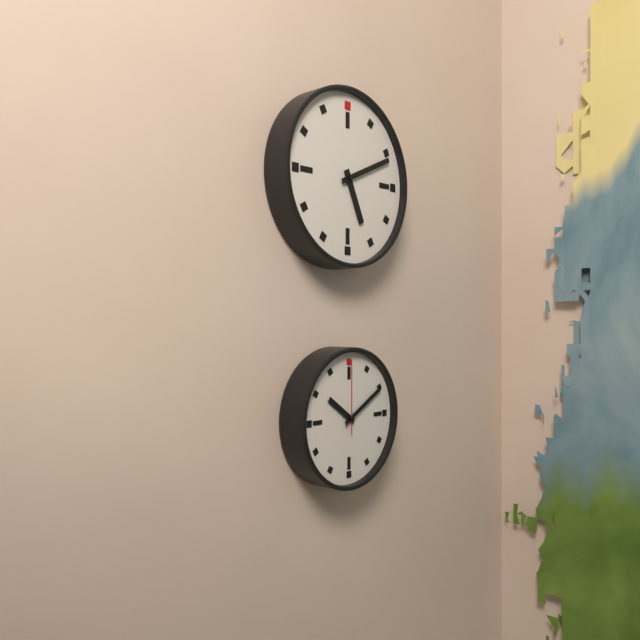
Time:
{"hour": 5, "minute": 11}
